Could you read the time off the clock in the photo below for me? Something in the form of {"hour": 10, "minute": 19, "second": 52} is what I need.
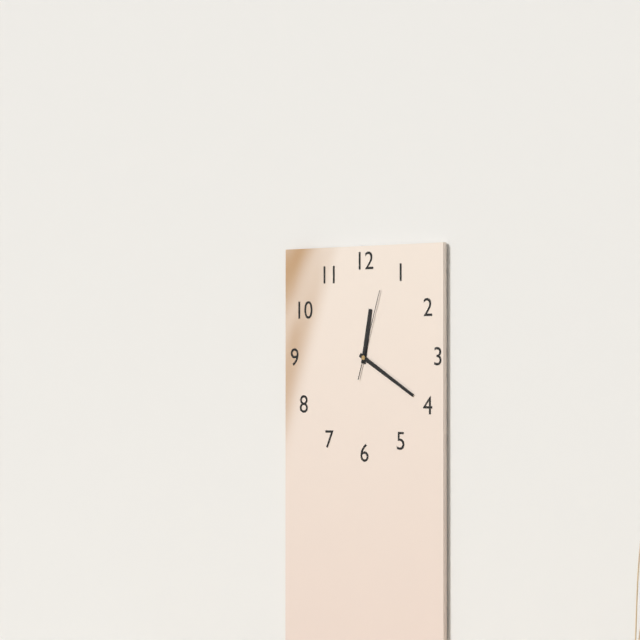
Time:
{"hour": 12, "minute": 20, "second": 3}
